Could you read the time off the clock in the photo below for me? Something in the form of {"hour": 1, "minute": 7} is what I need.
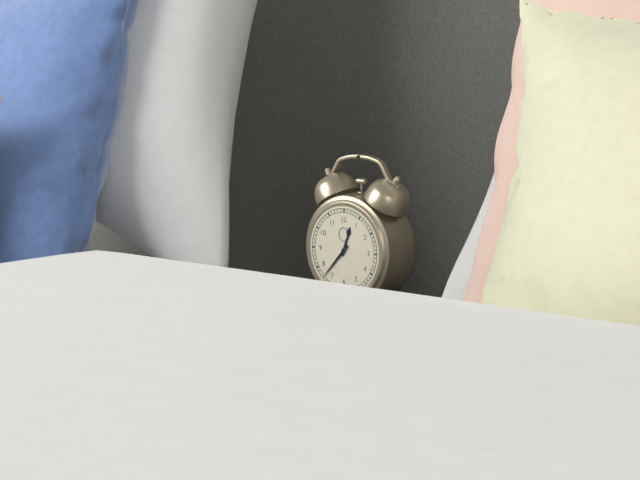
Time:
{"hour": 12, "minute": 37}
